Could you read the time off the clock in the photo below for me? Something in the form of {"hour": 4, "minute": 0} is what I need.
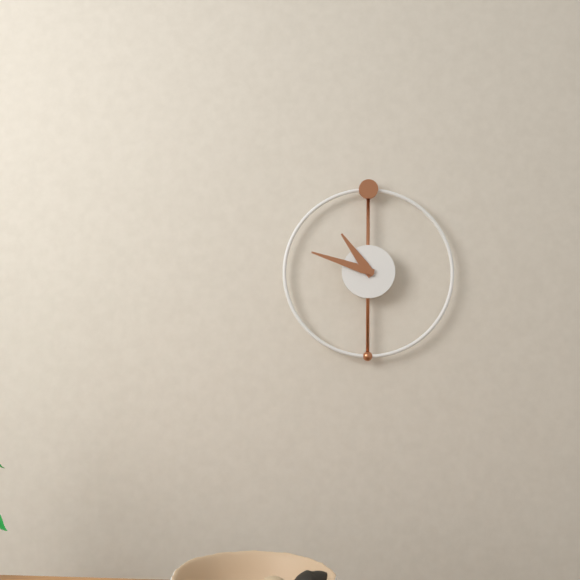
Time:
{"hour": 10, "minute": 48}
